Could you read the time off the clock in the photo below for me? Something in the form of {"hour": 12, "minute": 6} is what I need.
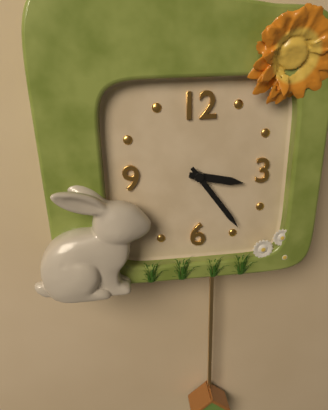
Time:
{"hour": 3, "minute": 24}
